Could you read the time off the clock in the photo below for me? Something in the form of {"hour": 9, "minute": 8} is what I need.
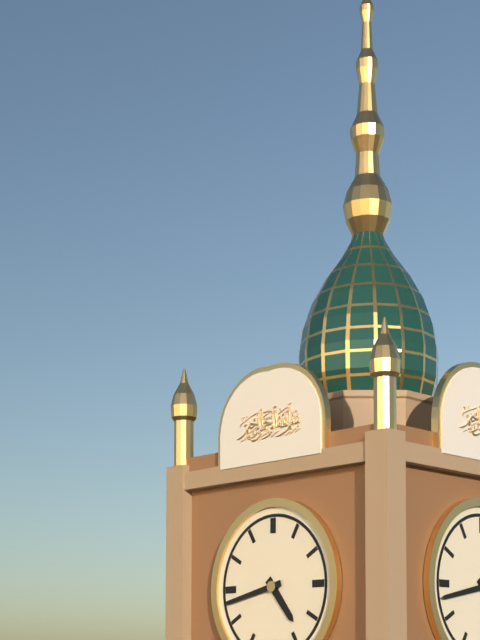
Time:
{"hour": 4, "minute": 43}
